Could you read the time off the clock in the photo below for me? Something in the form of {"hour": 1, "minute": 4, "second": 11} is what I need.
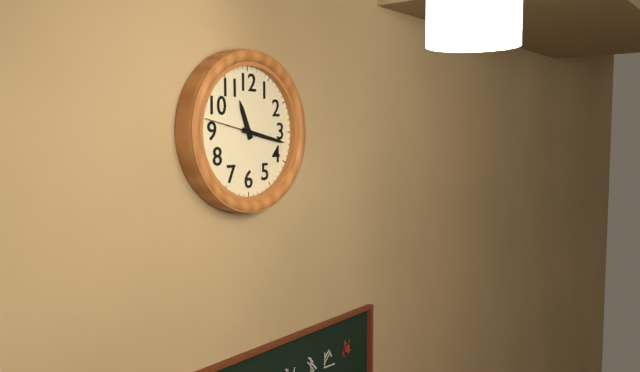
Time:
{"hour": 11, "minute": 17, "second": 47}
